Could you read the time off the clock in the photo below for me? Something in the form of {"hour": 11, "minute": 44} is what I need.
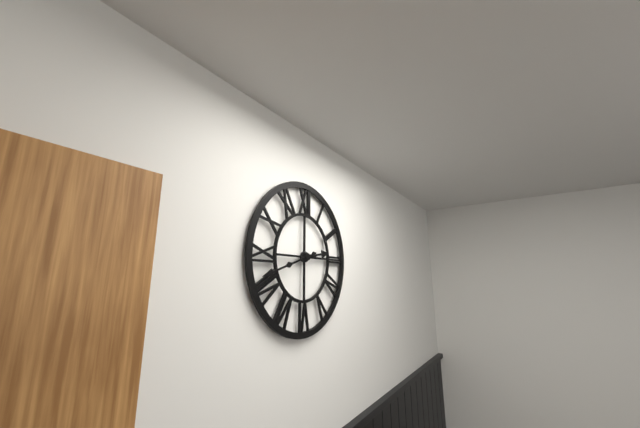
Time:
{"hour": 2, "minute": 42}
